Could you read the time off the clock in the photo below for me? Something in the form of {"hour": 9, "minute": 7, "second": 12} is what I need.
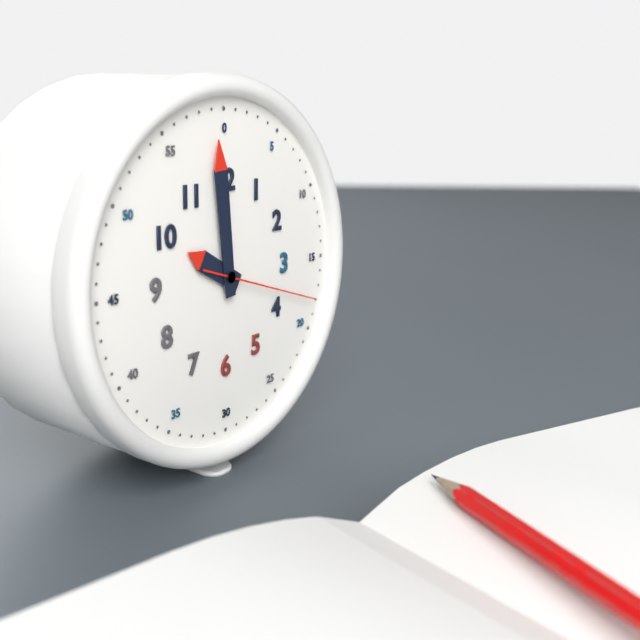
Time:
{"hour": 9, "minute": 59, "second": 18}
